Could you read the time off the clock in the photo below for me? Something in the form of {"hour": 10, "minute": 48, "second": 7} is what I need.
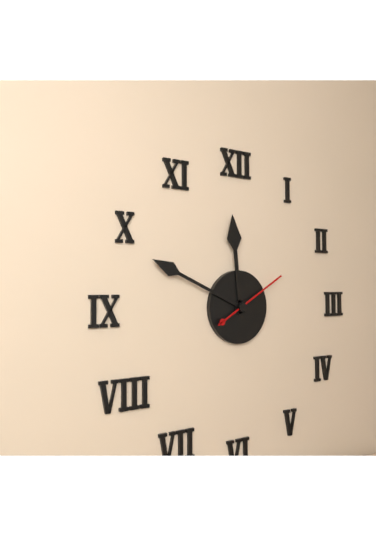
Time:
{"hour": 11, "minute": 49, "second": 10}
